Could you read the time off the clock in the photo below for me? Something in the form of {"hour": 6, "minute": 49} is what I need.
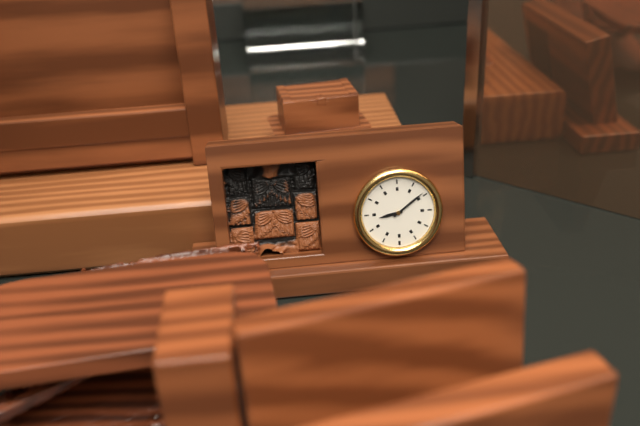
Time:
{"hour": 2, "minute": 39}
